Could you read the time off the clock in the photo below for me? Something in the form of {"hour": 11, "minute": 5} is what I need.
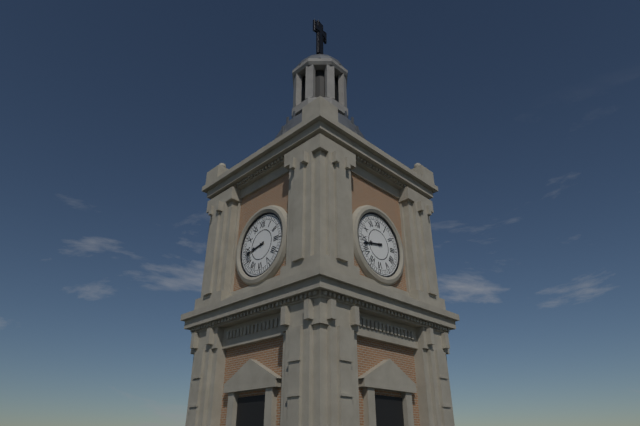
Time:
{"hour": 8, "minute": 43}
